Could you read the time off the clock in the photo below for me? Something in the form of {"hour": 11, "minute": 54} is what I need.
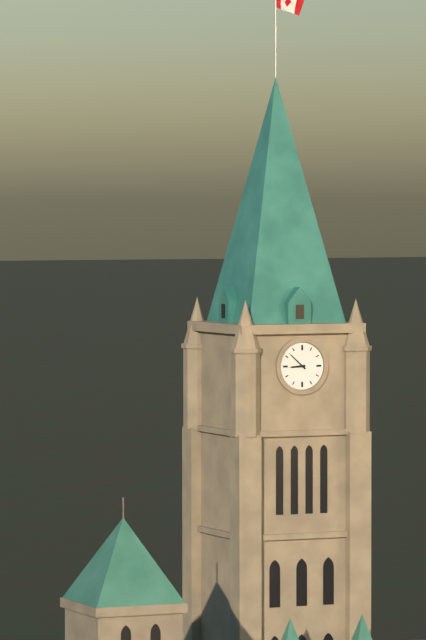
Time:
{"hour": 8, "minute": 52}
